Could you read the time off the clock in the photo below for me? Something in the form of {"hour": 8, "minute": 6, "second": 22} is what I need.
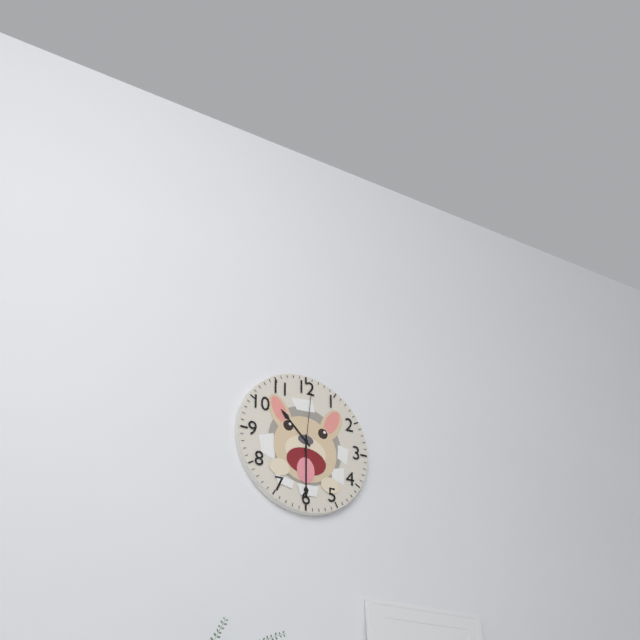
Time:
{"hour": 10, "minute": 30, "second": 1}
